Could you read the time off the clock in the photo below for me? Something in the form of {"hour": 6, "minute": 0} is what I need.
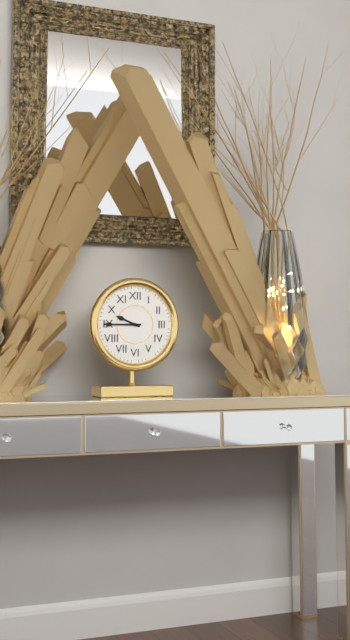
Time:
{"hour": 9, "minute": 45}
